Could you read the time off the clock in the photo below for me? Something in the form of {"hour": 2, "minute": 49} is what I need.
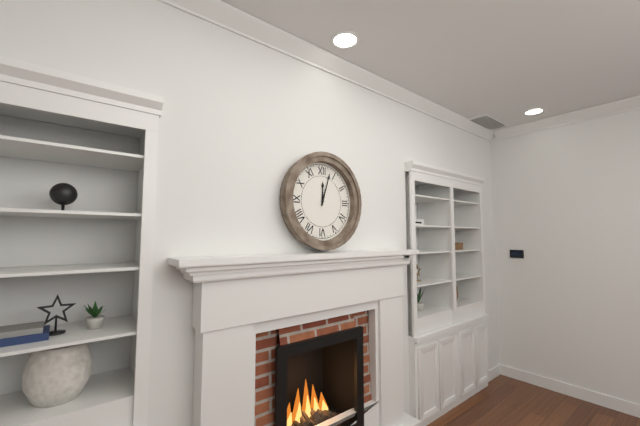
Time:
{"hour": 12, "minute": 3}
